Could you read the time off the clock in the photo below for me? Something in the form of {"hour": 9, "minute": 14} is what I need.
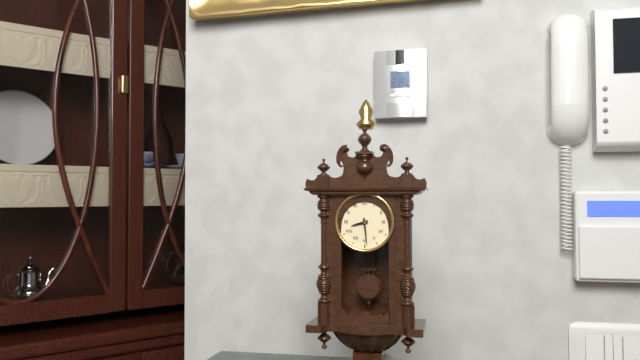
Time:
{"hour": 8, "minute": 29}
